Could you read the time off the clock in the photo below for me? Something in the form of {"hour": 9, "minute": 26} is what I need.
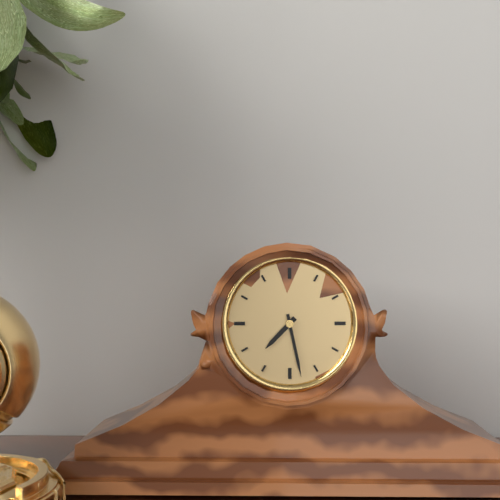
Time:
{"hour": 7, "minute": 28}
